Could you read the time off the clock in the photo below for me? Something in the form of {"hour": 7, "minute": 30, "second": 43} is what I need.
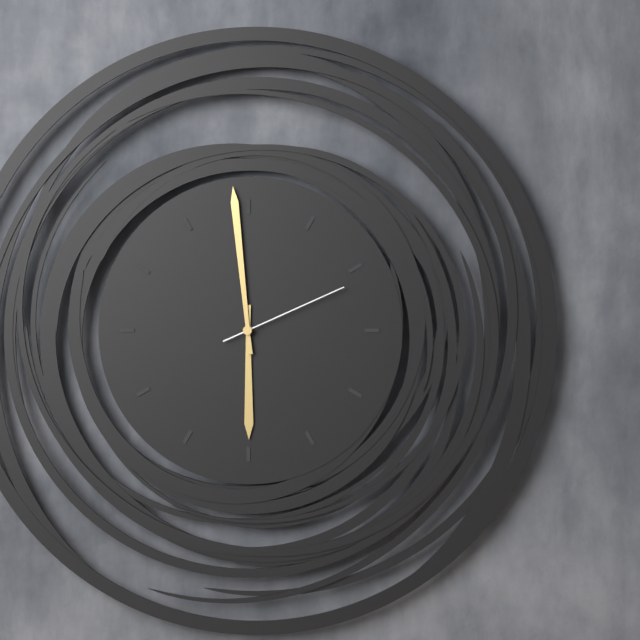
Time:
{"hour": 5, "minute": 59, "second": 11}
